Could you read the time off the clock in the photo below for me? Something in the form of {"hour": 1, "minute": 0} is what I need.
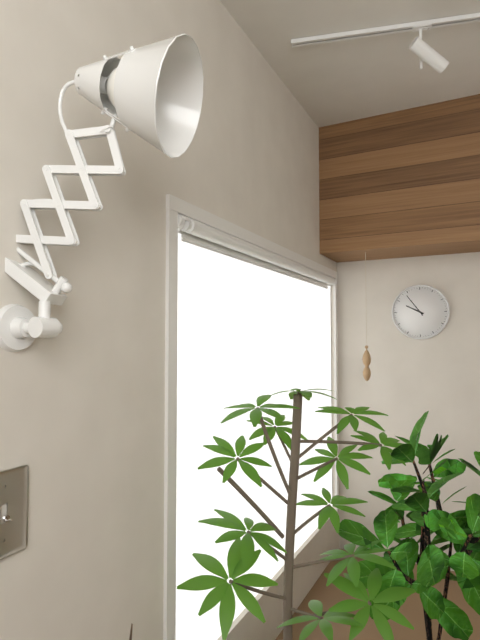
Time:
{"hour": 9, "minute": 54}
